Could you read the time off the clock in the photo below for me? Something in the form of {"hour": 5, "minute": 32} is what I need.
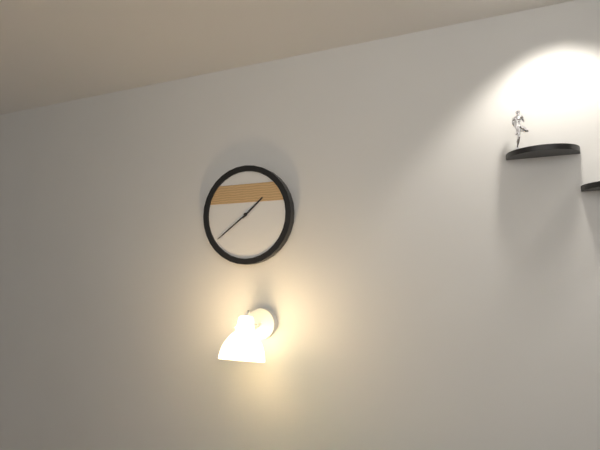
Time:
{"hour": 1, "minute": 39}
